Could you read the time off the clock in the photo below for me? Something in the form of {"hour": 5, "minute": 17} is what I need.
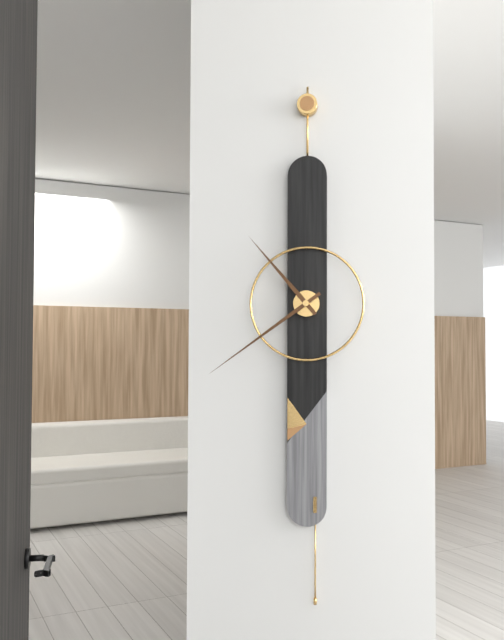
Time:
{"hour": 10, "minute": 39}
